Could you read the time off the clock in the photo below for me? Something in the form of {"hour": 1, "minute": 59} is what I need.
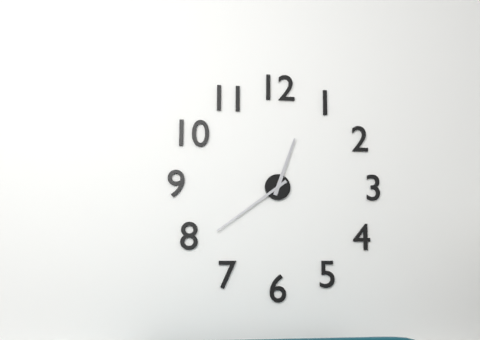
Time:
{"hour": 12, "minute": 39}
